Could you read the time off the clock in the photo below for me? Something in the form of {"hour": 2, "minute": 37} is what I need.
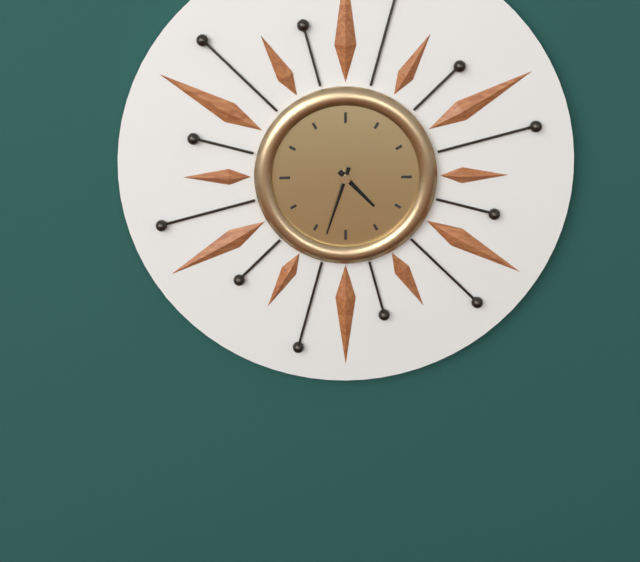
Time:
{"hour": 4, "minute": 33}
